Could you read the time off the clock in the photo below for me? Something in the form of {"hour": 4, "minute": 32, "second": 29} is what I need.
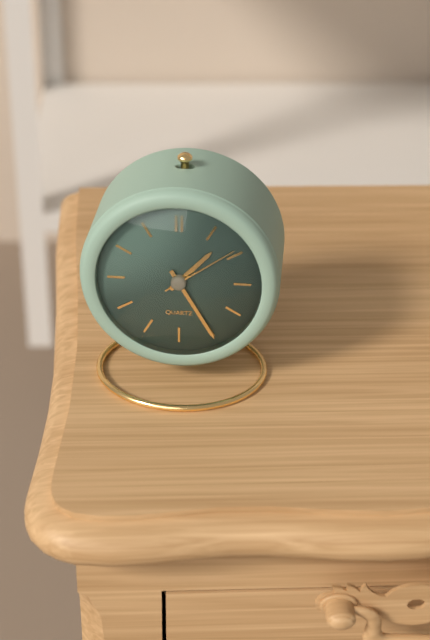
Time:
{"hour": 1, "minute": 25, "second": 9}
